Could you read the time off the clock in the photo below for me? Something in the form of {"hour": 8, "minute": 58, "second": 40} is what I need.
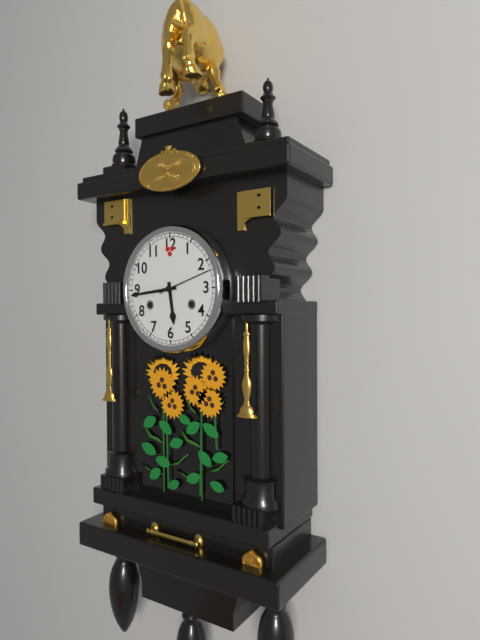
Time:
{"hour": 5, "minute": 44, "second": 12}
